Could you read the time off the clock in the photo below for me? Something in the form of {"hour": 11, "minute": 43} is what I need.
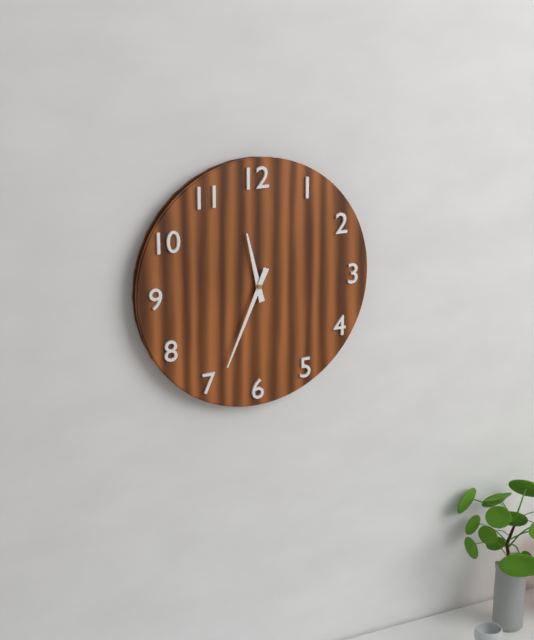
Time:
{"hour": 11, "minute": 34}
